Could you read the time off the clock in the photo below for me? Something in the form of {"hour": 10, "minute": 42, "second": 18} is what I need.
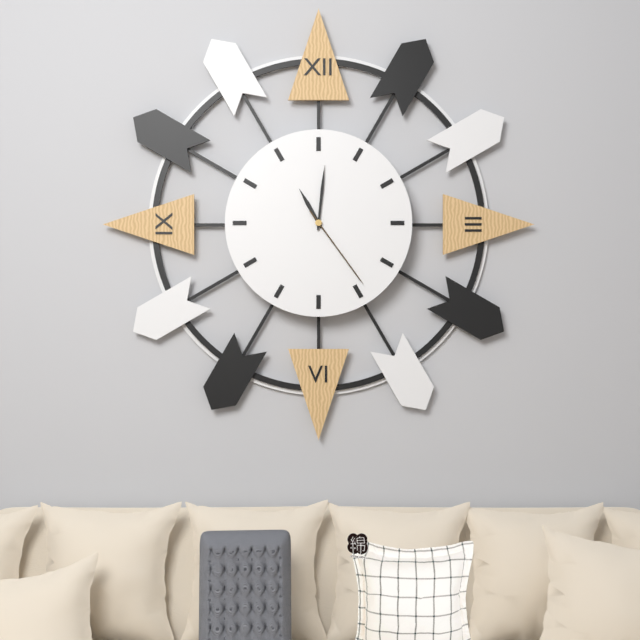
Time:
{"hour": 11, "minute": 1, "second": 24}
